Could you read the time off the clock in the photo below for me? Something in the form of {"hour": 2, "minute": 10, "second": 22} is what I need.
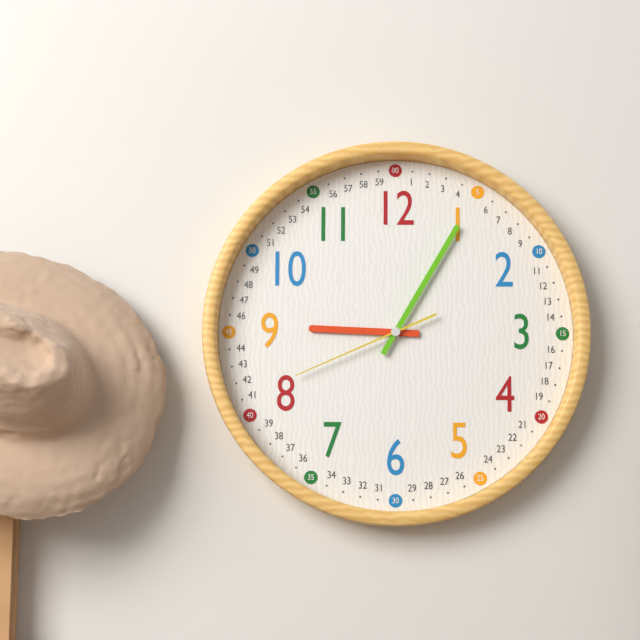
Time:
{"hour": 9, "minute": 5, "second": 41}
